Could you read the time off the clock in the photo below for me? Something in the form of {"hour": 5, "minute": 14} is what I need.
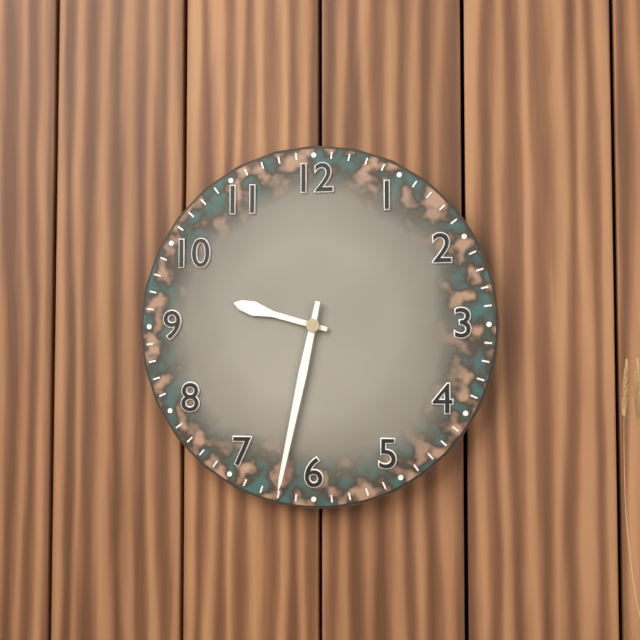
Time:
{"hour": 9, "minute": 32}
